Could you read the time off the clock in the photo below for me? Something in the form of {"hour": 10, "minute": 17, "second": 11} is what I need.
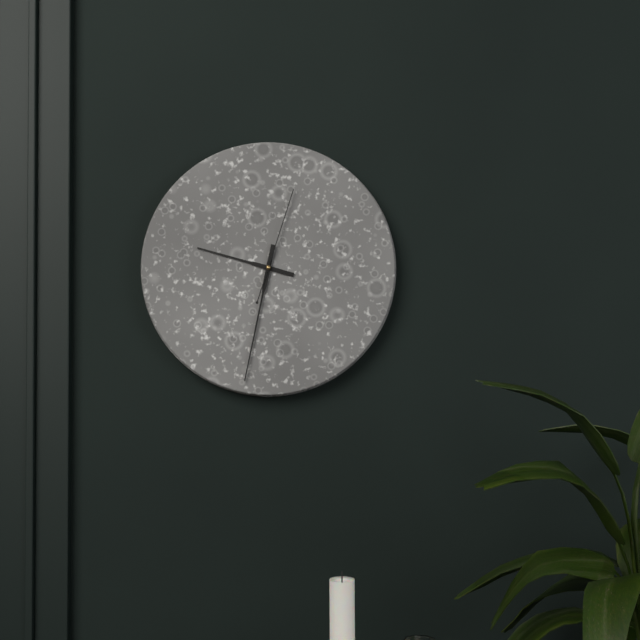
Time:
{"hour": 9, "minute": 32, "second": 3}
